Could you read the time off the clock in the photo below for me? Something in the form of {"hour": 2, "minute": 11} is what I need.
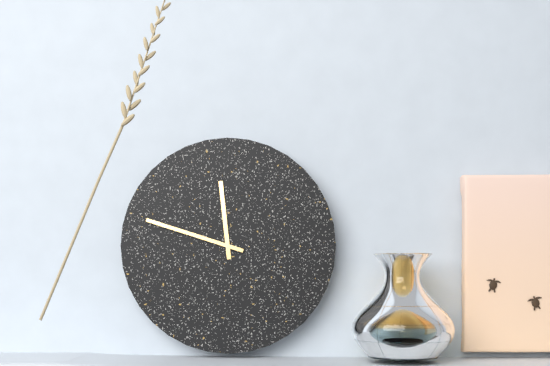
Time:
{"hour": 11, "minute": 48}
